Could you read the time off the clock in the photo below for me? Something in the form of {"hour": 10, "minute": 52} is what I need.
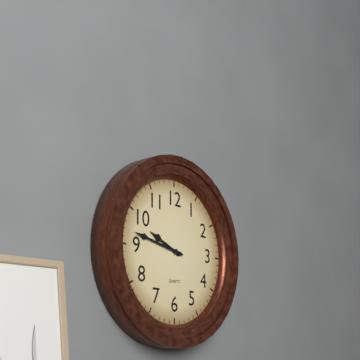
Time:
{"hour": 9, "minute": 47}
